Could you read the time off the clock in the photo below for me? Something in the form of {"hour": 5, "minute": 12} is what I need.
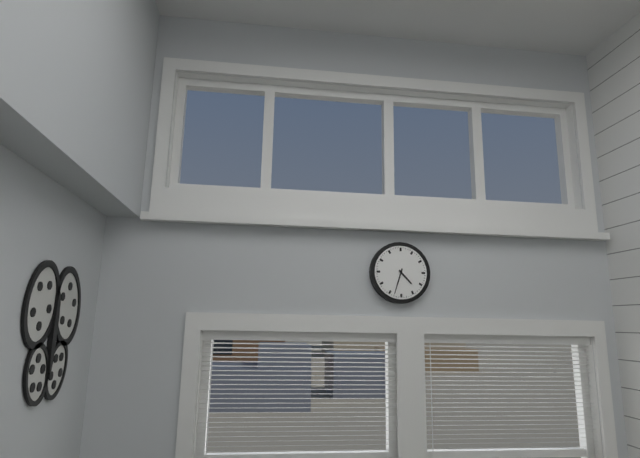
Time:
{"hour": 4, "minute": 33}
